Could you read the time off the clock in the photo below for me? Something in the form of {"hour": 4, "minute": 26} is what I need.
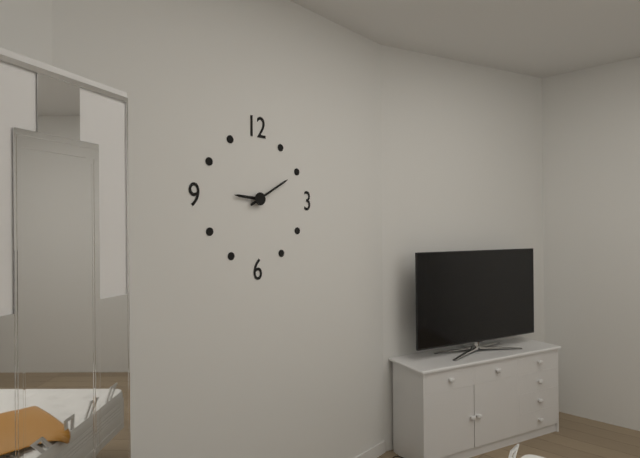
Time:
{"hour": 9, "minute": 10}
